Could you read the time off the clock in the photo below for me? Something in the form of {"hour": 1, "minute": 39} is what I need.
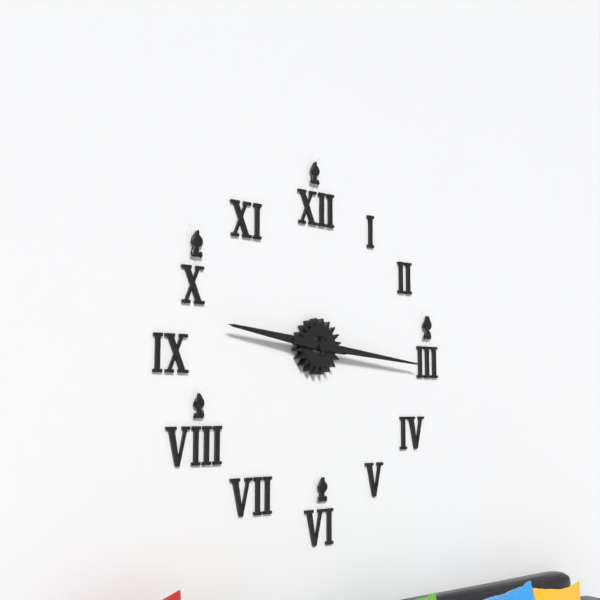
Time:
{"hour": 9, "minute": 16}
